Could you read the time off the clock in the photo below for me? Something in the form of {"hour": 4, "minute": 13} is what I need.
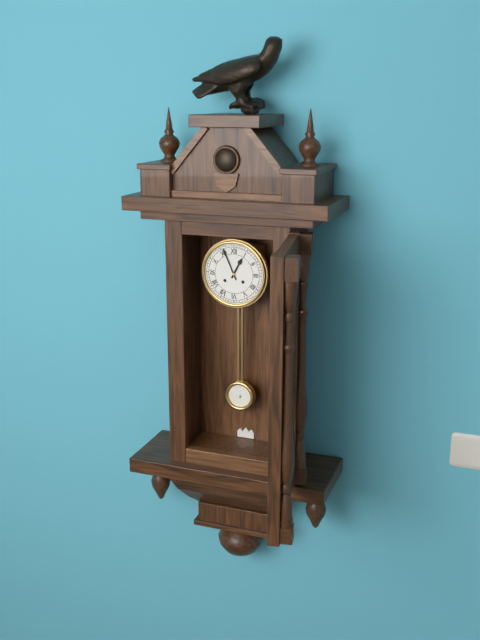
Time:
{"hour": 12, "minute": 56}
